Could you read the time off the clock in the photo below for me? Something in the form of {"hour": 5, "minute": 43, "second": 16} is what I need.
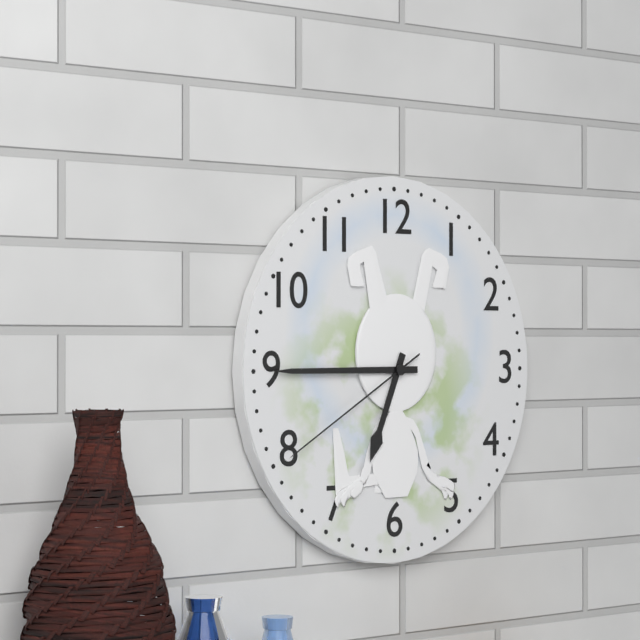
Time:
{"hour": 6, "minute": 45, "second": 40}
